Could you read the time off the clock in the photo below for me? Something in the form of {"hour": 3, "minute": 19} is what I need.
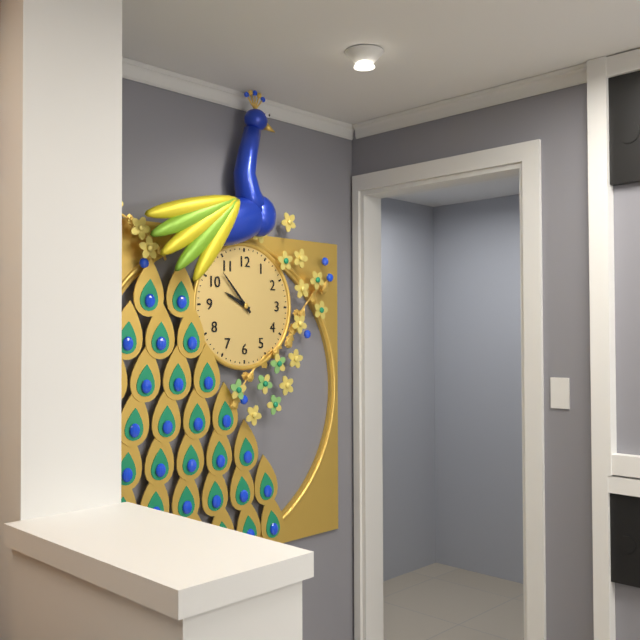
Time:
{"hour": 9, "minute": 53}
